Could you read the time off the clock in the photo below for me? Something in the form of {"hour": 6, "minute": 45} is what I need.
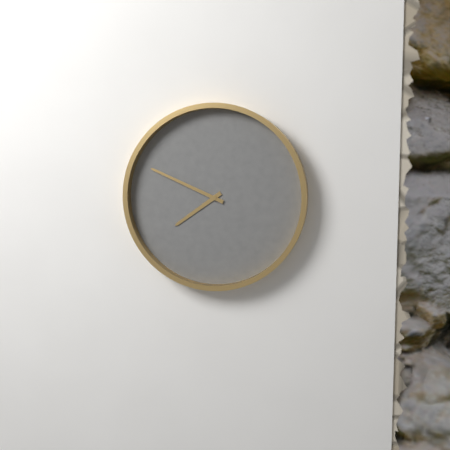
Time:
{"hour": 7, "minute": 49}
